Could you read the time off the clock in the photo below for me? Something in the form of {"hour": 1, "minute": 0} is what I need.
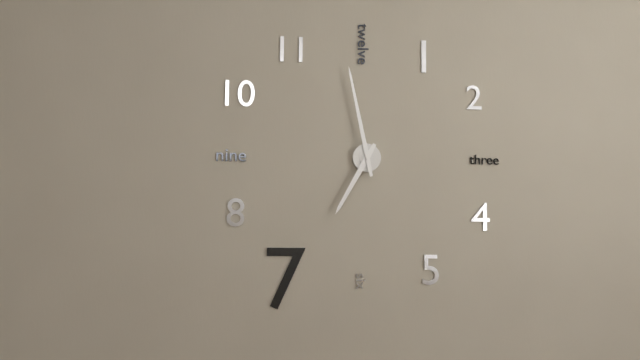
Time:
{"hour": 6, "minute": 58}
